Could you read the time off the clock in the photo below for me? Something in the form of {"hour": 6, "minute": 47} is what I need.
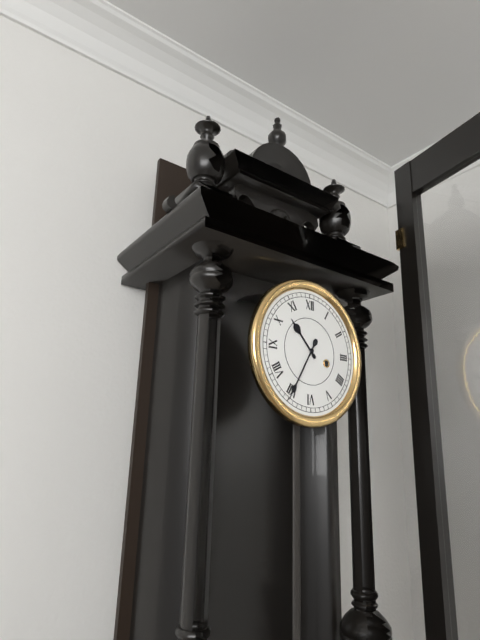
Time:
{"hour": 10, "minute": 35}
